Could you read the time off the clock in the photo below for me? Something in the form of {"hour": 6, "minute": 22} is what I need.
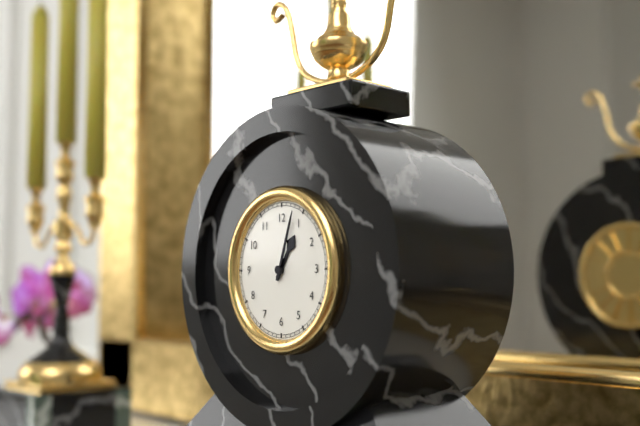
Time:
{"hour": 1, "minute": 3}
